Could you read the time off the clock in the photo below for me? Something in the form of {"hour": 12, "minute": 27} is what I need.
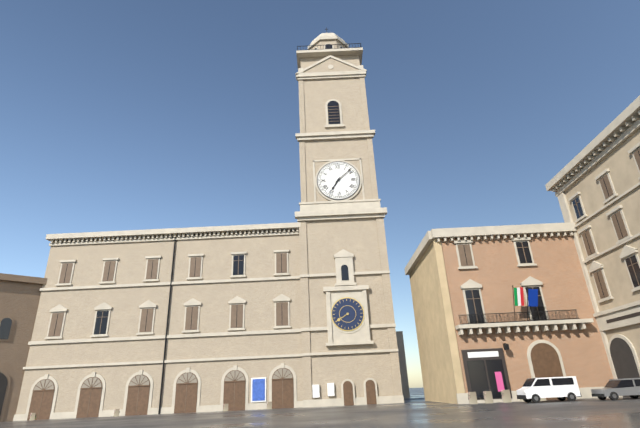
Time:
{"hour": 7, "minute": 8}
